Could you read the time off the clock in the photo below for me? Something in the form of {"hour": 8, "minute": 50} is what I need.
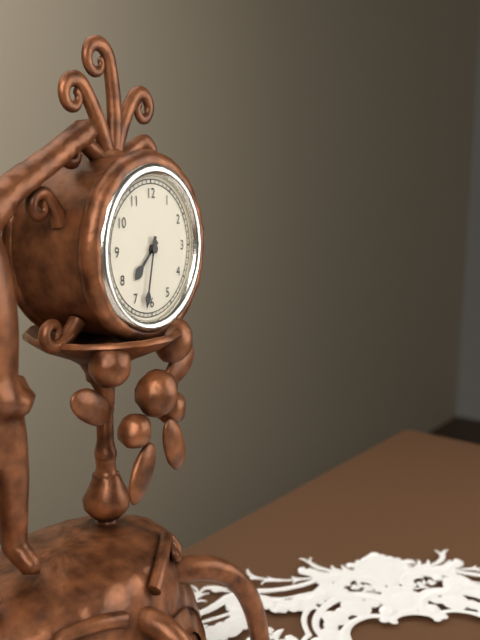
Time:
{"hour": 7, "minute": 32}
